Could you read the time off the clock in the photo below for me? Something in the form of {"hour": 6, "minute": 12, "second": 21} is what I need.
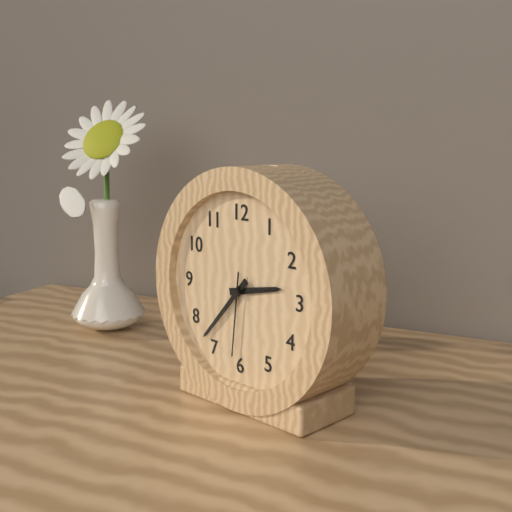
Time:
{"hour": 2, "minute": 37, "second": 31}
